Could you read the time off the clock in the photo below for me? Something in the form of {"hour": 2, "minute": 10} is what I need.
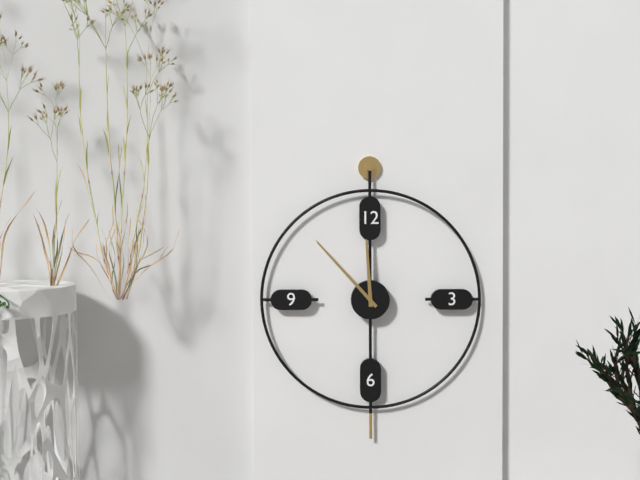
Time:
{"hour": 11, "minute": 53}
